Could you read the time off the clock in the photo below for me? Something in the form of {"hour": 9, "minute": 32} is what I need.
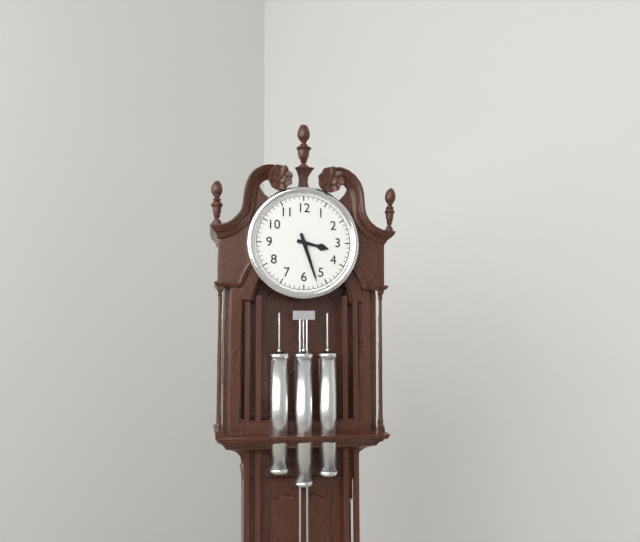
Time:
{"hour": 3, "minute": 27}
